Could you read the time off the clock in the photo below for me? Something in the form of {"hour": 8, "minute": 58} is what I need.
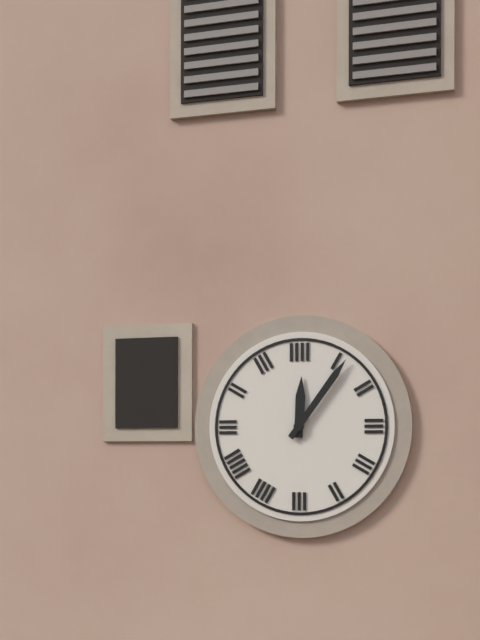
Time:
{"hour": 12, "minute": 6}
